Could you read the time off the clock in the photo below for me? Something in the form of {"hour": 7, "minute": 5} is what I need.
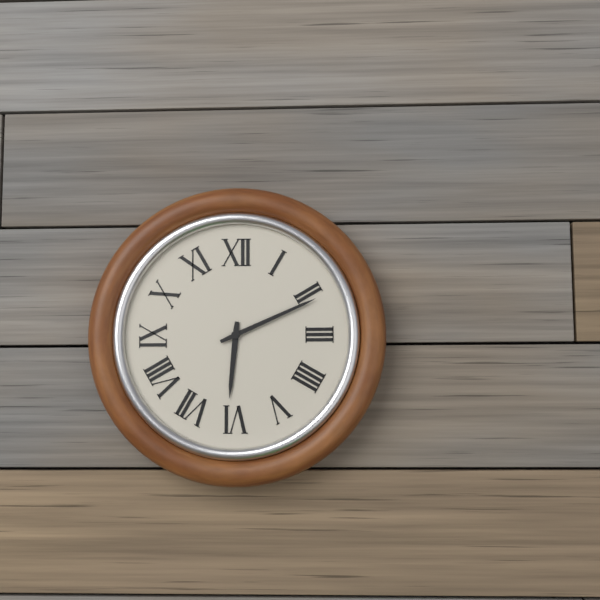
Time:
{"hour": 6, "minute": 11}
